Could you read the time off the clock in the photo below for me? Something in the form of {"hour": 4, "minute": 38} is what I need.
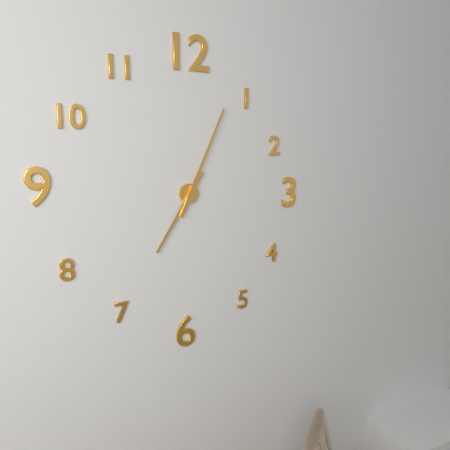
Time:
{"hour": 7, "minute": 4}
